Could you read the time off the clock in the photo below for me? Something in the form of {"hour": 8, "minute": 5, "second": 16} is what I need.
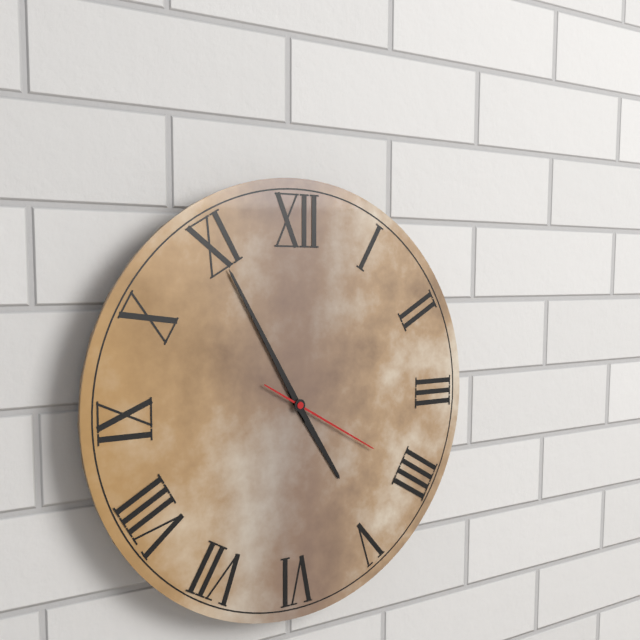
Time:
{"hour": 4, "minute": 55, "second": 20}
